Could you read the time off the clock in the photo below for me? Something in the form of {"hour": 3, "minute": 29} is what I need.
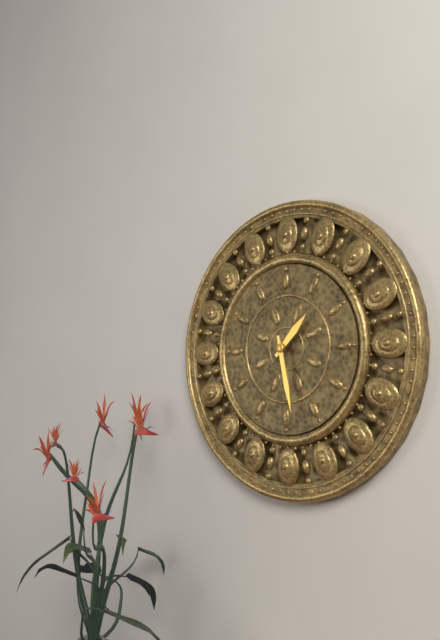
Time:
{"hour": 1, "minute": 28}
